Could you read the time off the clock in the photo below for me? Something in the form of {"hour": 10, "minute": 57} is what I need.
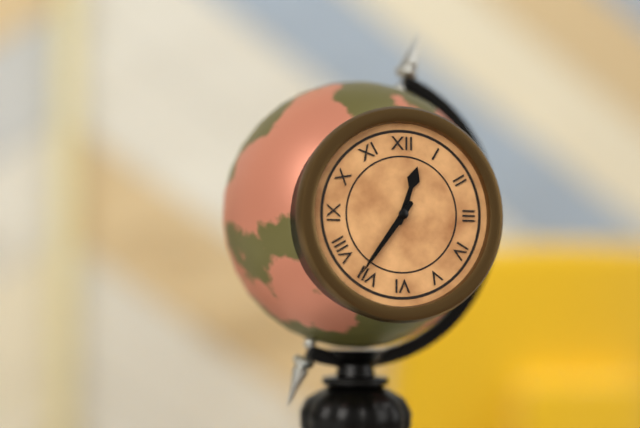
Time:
{"hour": 12, "minute": 36}
